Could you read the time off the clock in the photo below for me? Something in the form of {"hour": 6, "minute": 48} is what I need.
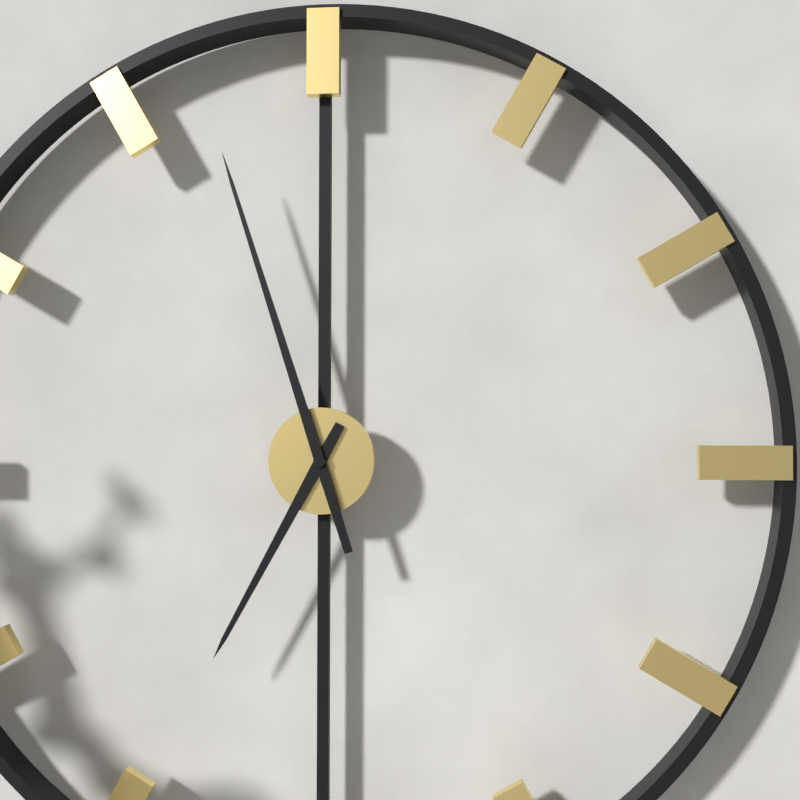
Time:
{"hour": 6, "minute": 57}
